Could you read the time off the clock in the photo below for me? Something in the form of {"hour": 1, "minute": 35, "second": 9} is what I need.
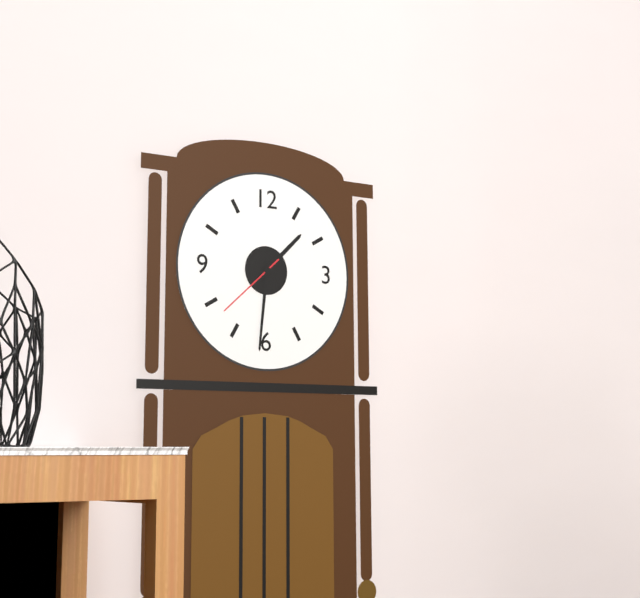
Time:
{"hour": 1, "minute": 31, "second": 38}
